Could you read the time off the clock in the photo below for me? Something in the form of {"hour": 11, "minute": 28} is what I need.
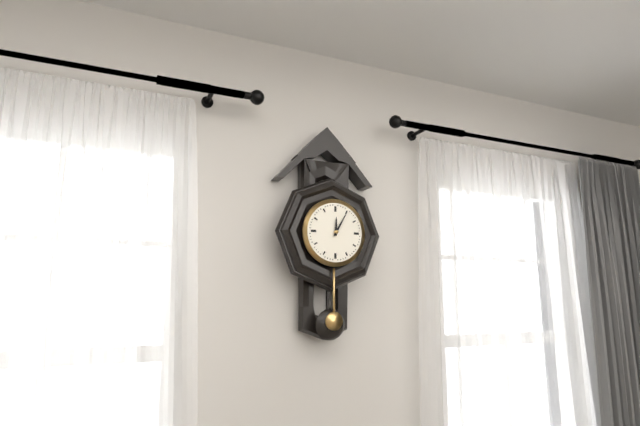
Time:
{"hour": 12, "minute": 5}
